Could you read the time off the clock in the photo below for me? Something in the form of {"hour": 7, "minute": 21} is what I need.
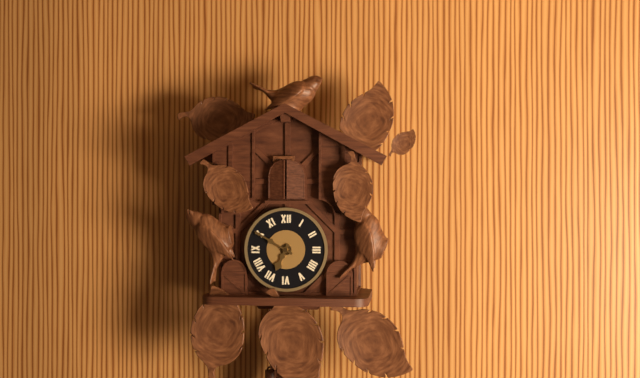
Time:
{"hour": 6, "minute": 50}
